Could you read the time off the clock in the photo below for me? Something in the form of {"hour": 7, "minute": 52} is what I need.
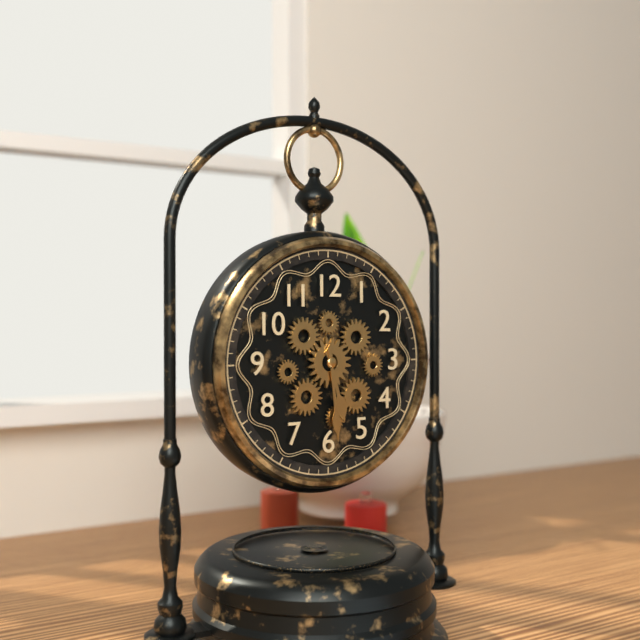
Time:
{"hour": 5, "minute": 29}
